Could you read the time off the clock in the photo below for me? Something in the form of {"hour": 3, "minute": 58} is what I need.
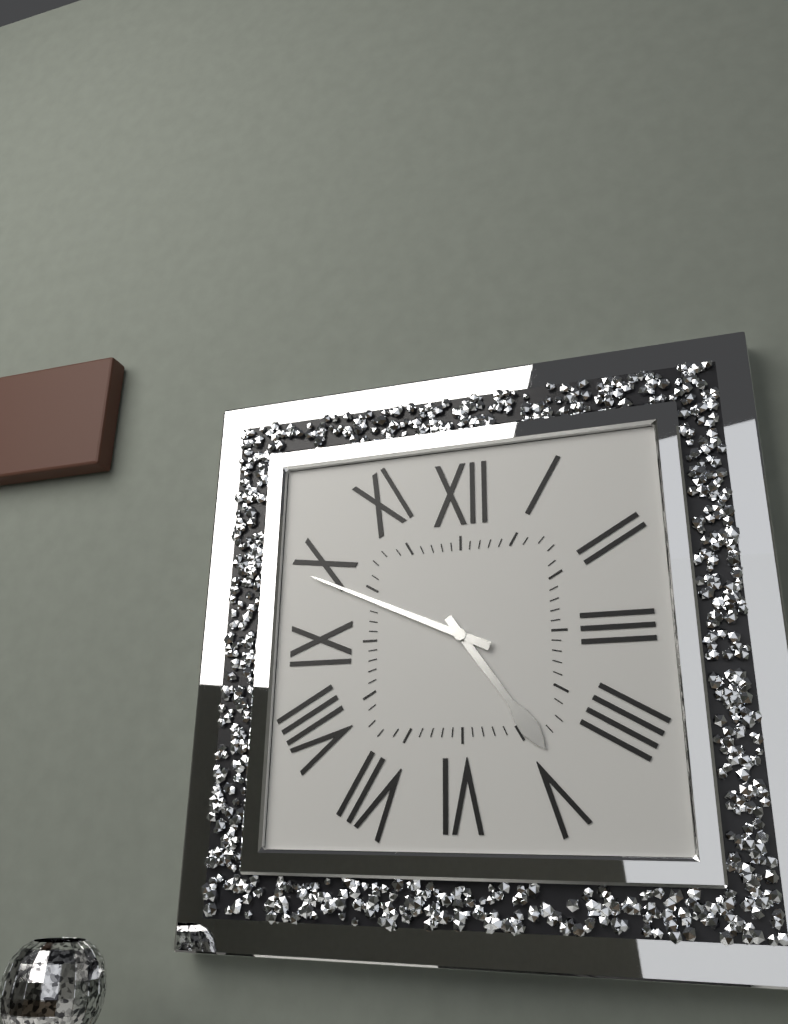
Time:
{"hour": 4, "minute": 49}
